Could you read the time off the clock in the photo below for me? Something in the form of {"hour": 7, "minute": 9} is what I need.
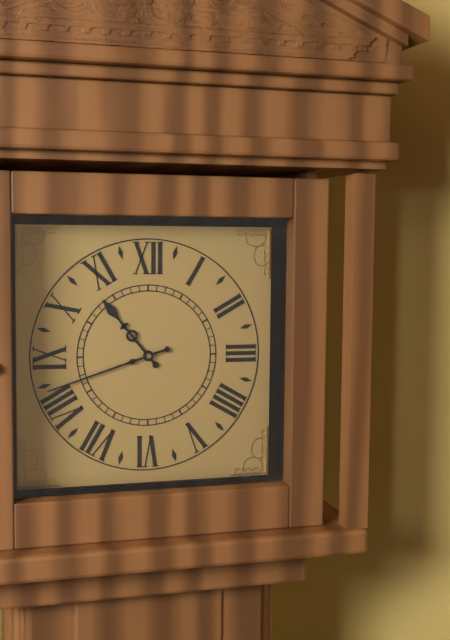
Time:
{"hour": 10, "minute": 42}
